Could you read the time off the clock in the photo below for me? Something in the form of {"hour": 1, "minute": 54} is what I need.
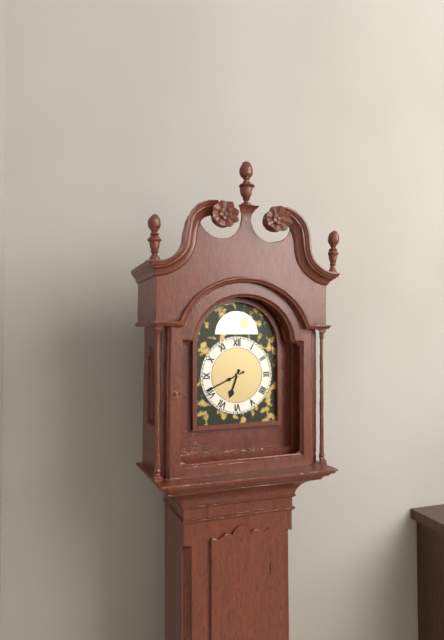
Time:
{"hour": 6, "minute": 41}
